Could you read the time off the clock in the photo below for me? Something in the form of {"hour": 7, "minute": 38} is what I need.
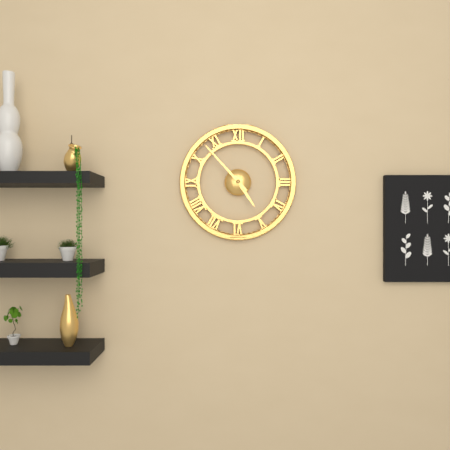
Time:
{"hour": 4, "minute": 53}
